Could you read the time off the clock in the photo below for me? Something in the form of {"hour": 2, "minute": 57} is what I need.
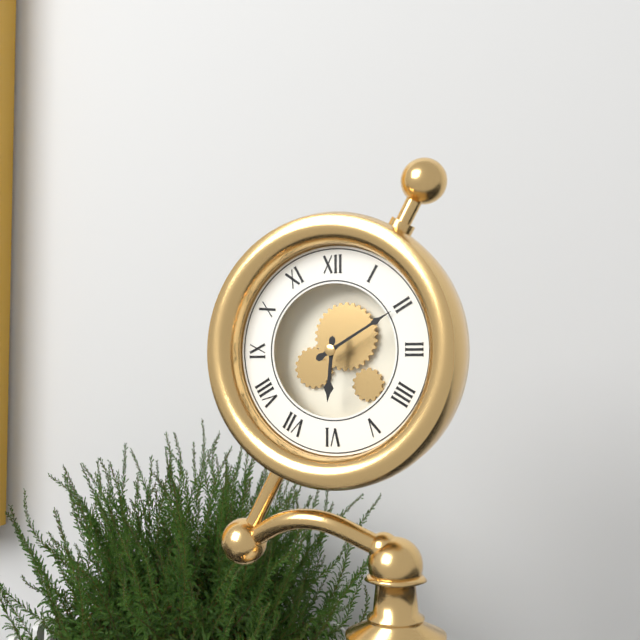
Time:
{"hour": 6, "minute": 10}
